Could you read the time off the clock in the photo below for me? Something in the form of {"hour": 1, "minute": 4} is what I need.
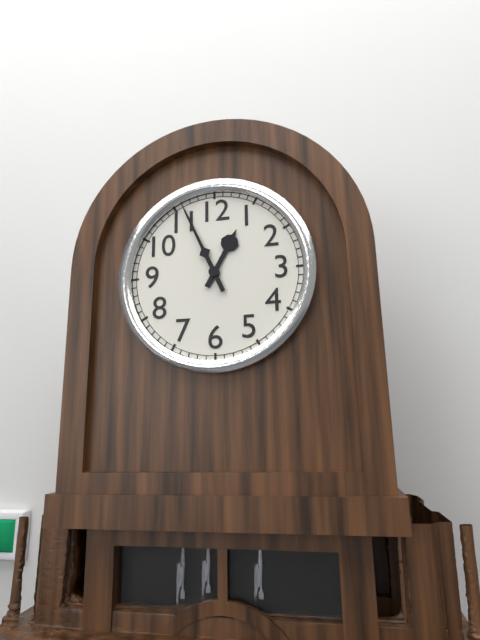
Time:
{"hour": 12, "minute": 56}
